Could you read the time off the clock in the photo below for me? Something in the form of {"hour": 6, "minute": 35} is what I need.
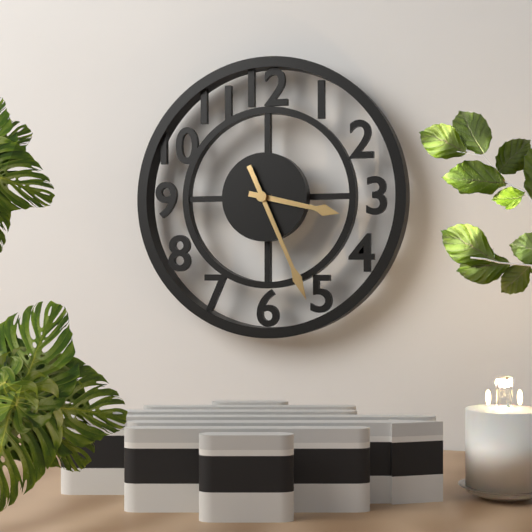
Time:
{"hour": 3, "minute": 26}
